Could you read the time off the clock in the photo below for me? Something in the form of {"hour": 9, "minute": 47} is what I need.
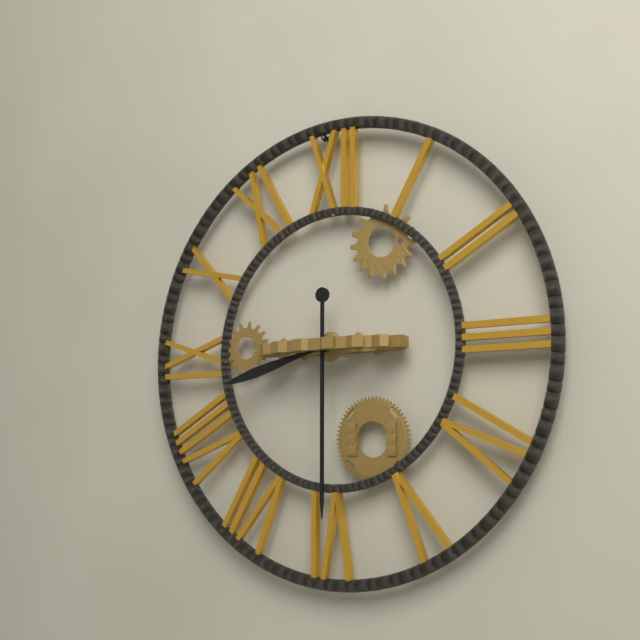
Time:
{"hour": 8, "minute": 30}
